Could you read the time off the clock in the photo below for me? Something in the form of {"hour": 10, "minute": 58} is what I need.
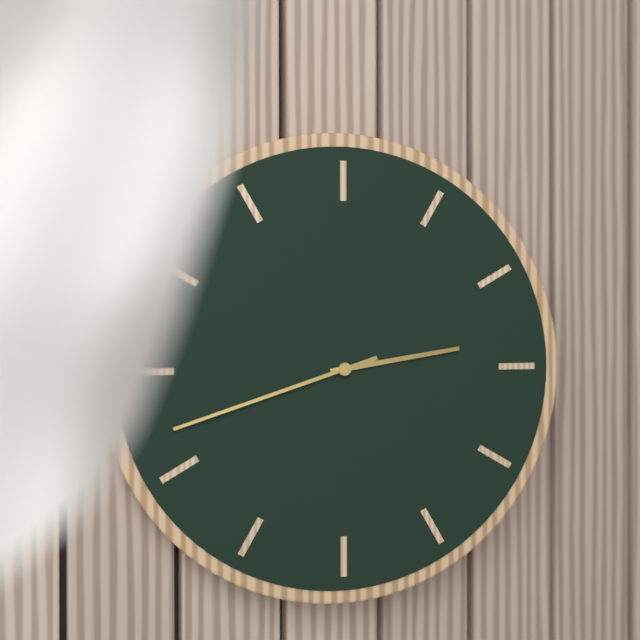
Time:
{"hour": 2, "minute": 42}
